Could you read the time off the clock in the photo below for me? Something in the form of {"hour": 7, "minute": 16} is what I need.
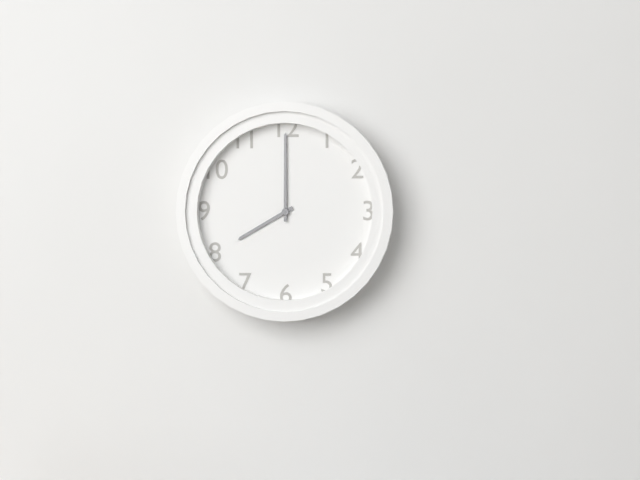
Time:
{"hour": 8, "minute": 0}
